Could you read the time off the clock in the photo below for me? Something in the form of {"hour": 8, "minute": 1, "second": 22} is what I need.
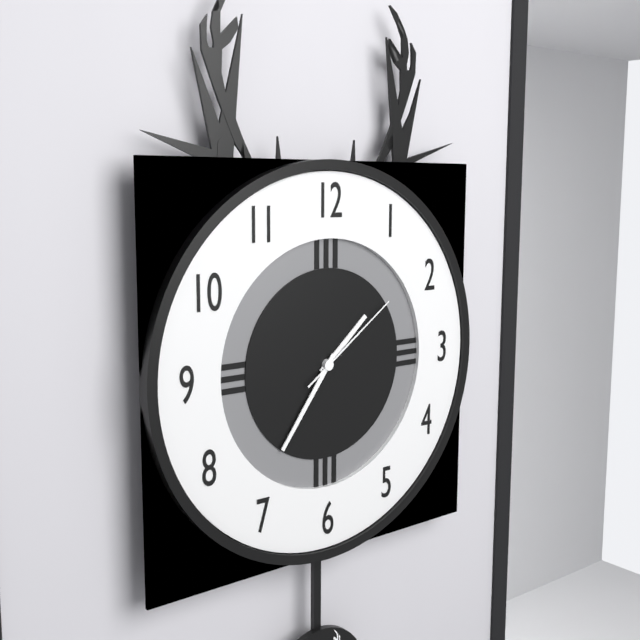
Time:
{"hour": 1, "minute": 36, "second": 9}
